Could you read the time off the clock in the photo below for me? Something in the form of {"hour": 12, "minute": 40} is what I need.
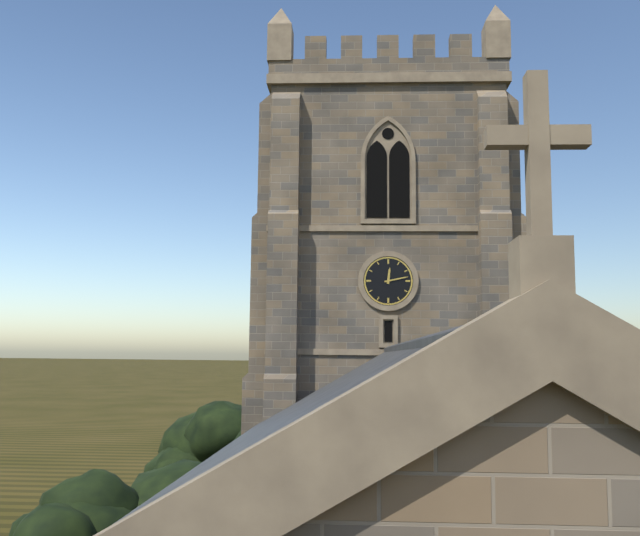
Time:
{"hour": 12, "minute": 13}
